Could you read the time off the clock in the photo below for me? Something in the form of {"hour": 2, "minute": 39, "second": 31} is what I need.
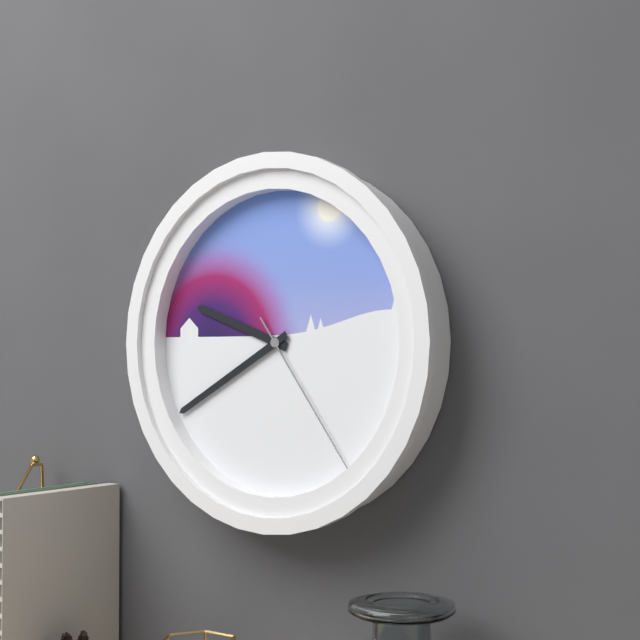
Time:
{"hour": 9, "minute": 40, "second": 24}
